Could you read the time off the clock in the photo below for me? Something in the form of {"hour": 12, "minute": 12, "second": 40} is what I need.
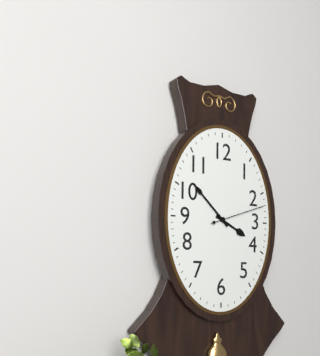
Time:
{"hour": 3, "minute": 52, "second": 12}
